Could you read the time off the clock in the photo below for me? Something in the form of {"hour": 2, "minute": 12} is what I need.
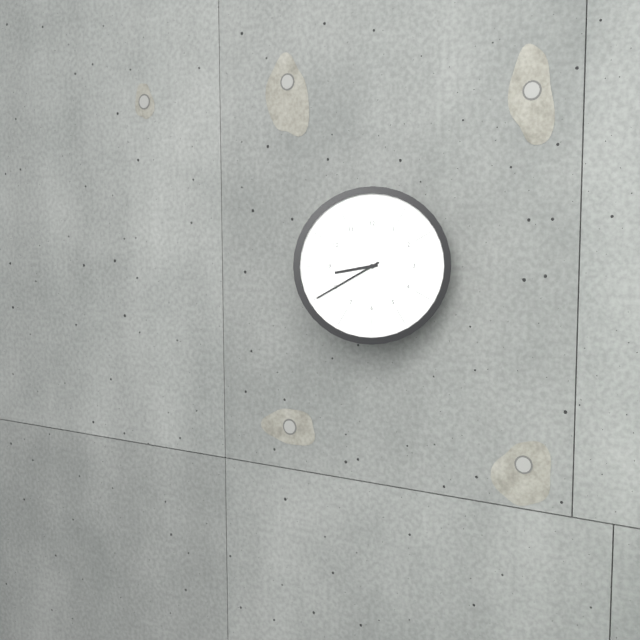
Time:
{"hour": 8, "minute": 40}
